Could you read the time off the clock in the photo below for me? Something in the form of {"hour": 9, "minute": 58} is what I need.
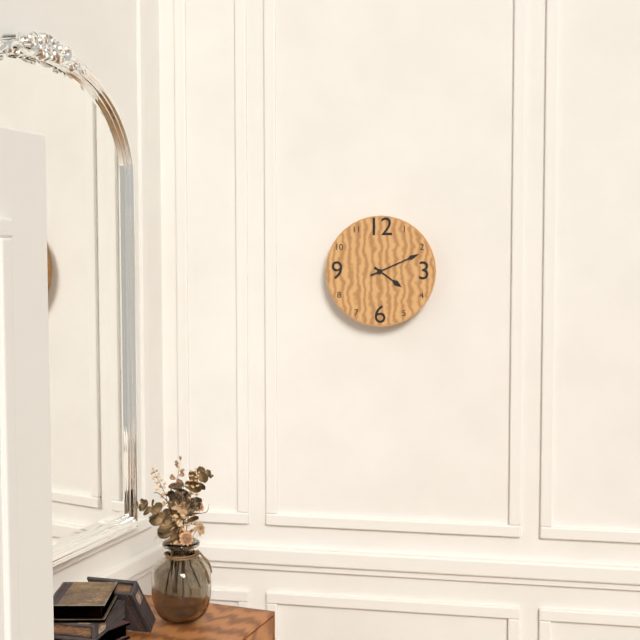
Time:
{"hour": 4, "minute": 11}
